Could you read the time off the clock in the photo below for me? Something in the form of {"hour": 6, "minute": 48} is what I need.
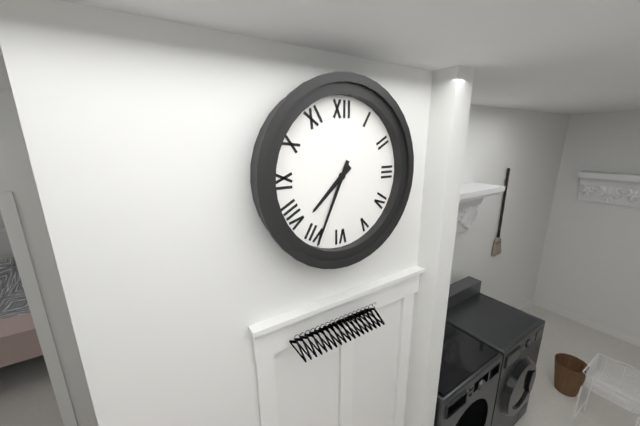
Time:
{"hour": 7, "minute": 34}
